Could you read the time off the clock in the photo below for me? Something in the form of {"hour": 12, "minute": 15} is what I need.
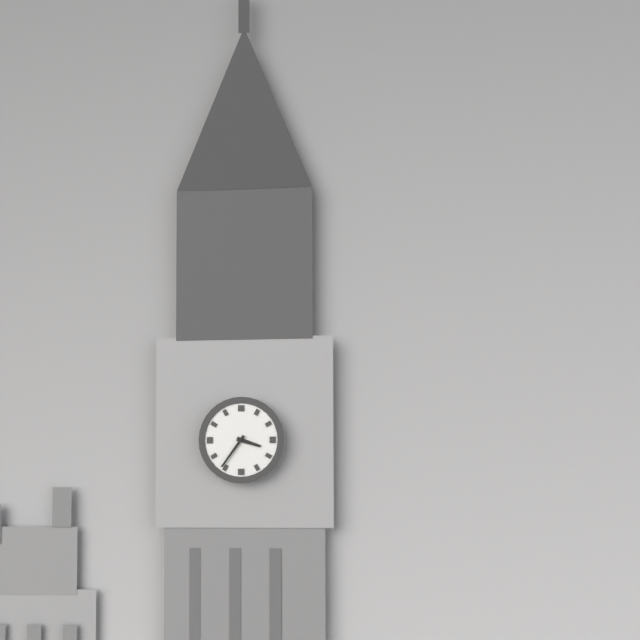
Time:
{"hour": 3, "minute": 36}
